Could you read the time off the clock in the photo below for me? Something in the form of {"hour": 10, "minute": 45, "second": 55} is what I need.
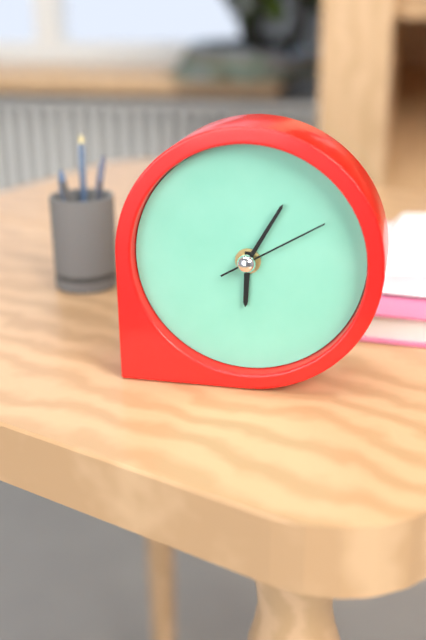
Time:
{"hour": 6, "minute": 5, "second": 10}
